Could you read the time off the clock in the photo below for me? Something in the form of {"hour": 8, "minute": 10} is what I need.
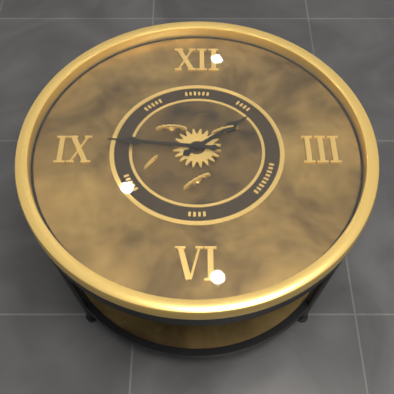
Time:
{"hour": 1, "minute": 46}
